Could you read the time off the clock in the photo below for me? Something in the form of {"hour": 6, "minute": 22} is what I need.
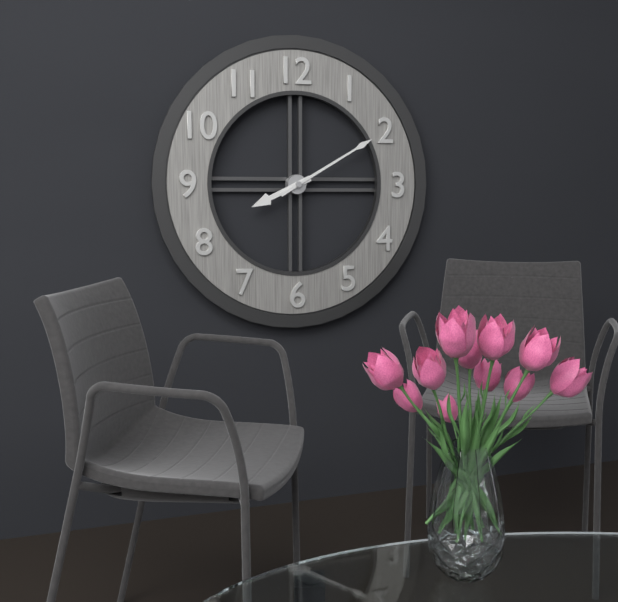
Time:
{"hour": 8, "minute": 10}
